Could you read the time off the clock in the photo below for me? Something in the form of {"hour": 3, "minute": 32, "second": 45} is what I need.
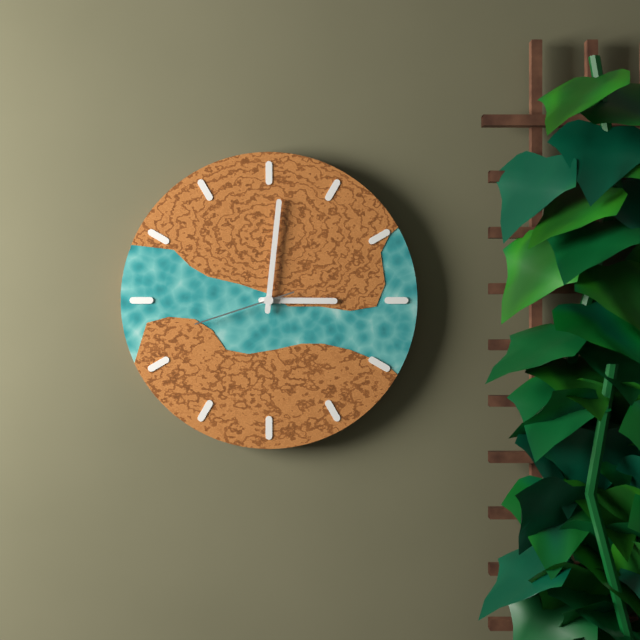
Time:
{"hour": 3, "minute": 1, "second": 42}
